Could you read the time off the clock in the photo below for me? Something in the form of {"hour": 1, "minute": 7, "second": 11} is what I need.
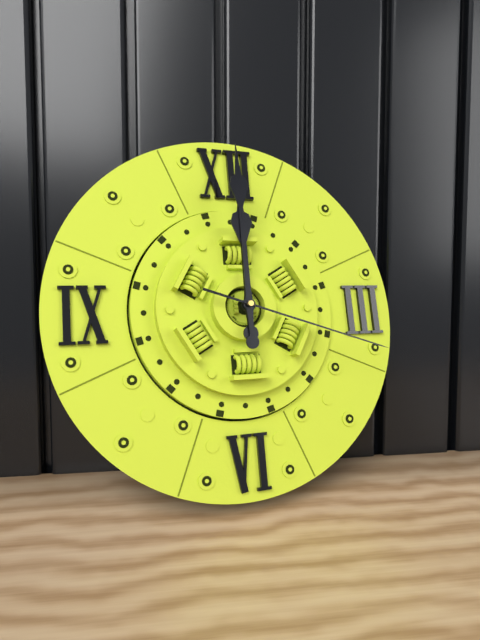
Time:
{"hour": 12, "minute": 0, "second": 18}
